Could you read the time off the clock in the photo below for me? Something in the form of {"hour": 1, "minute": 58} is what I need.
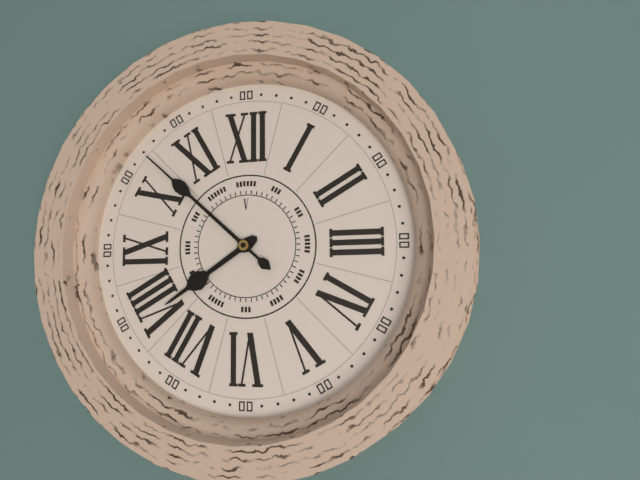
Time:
{"hour": 7, "minute": 52}
